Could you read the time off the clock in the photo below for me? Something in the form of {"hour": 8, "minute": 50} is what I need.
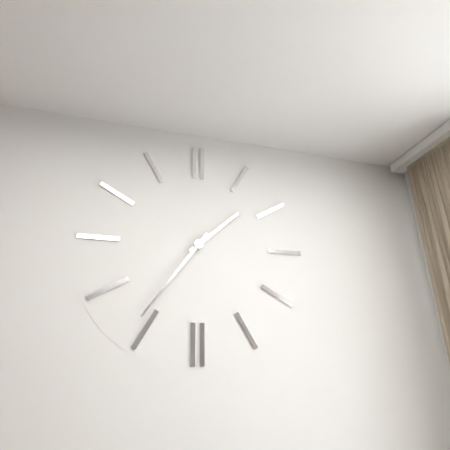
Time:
{"hour": 1, "minute": 36}
